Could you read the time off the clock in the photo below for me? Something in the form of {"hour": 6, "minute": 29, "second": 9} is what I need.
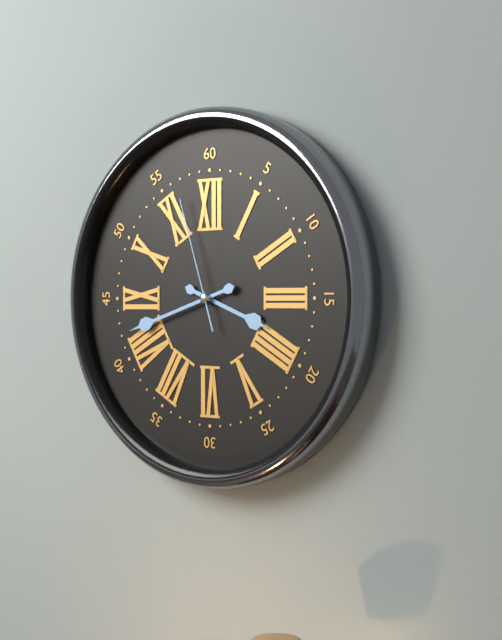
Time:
{"hour": 3, "minute": 42, "second": 57}
